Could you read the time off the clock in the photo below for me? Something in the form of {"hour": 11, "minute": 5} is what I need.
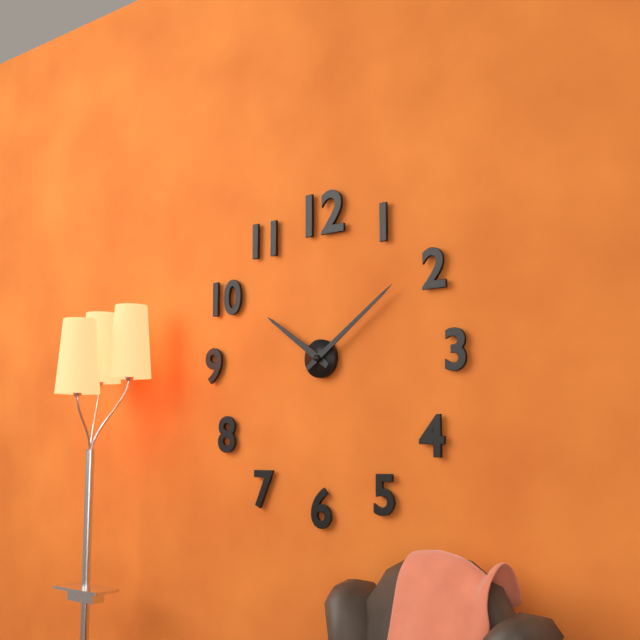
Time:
{"hour": 10, "minute": 9}
